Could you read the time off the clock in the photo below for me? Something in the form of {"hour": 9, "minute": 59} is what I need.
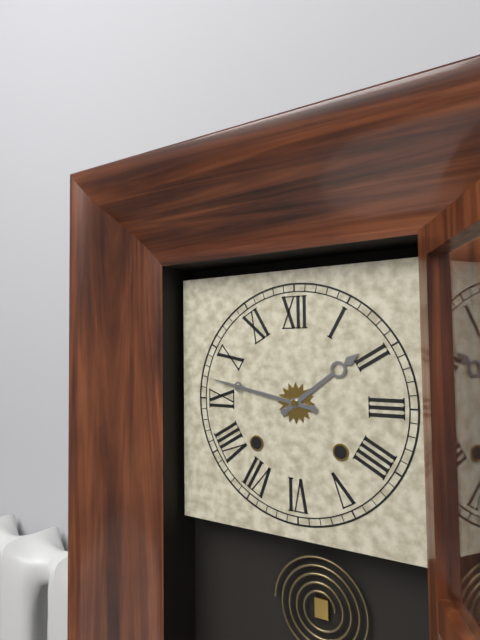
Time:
{"hour": 1, "minute": 47}
